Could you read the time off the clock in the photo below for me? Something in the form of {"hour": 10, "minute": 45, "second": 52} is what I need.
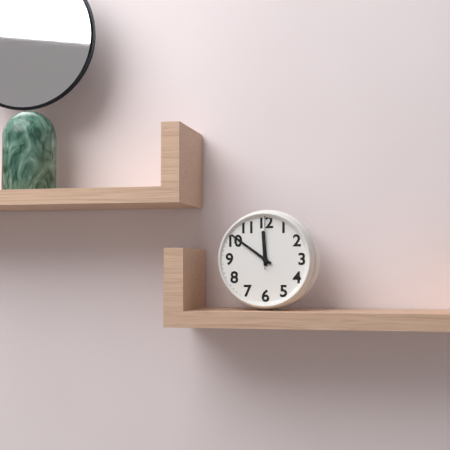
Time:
{"hour": 11, "minute": 51, "second": 0}
